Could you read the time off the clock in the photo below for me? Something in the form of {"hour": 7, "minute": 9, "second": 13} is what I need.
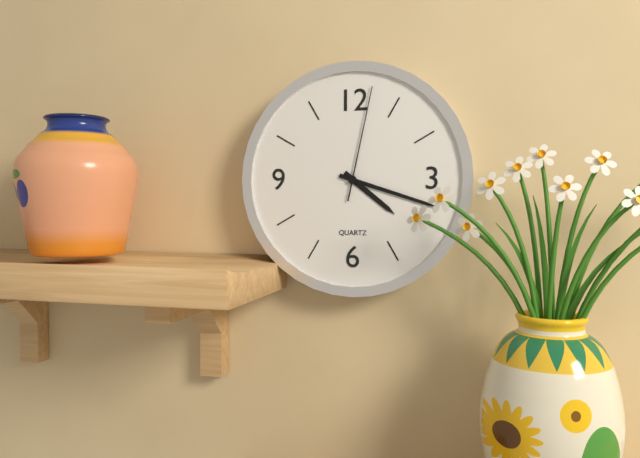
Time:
{"hour": 4, "minute": 18, "second": 2}
